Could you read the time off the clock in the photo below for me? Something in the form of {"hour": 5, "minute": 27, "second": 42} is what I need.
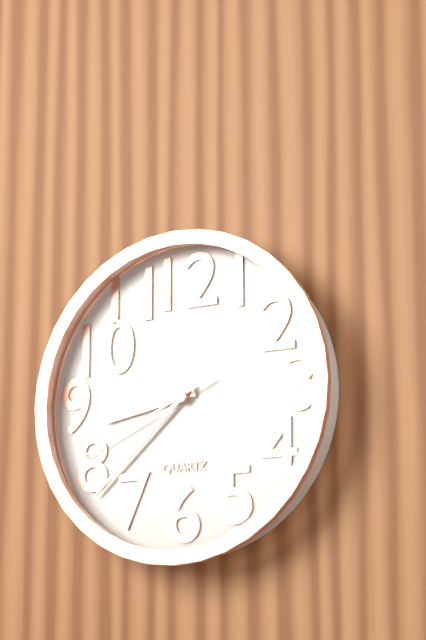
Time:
{"hour": 8, "minute": 38, "second": 41}
